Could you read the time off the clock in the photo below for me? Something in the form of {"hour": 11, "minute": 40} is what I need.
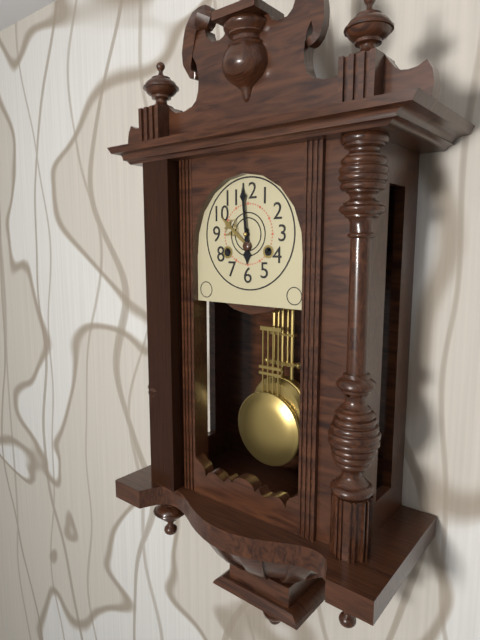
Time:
{"hour": 5, "minute": 59}
